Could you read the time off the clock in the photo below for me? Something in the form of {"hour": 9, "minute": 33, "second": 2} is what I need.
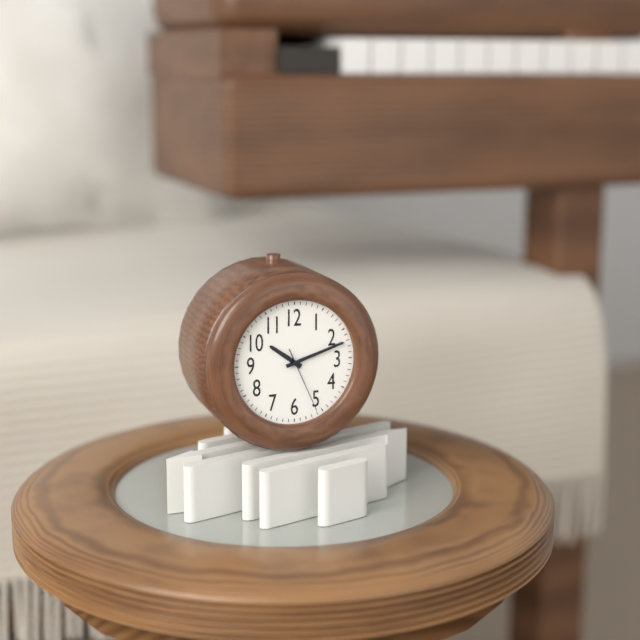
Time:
{"hour": 10, "minute": 12, "second": 26}
